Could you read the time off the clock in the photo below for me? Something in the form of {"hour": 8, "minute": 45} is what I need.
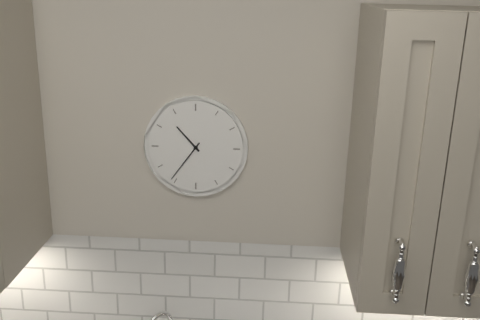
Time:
{"hour": 10, "minute": 36}
